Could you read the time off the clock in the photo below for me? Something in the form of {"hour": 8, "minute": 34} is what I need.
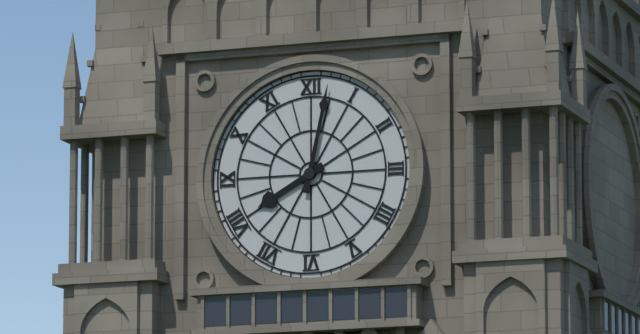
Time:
{"hour": 8, "minute": 2}
